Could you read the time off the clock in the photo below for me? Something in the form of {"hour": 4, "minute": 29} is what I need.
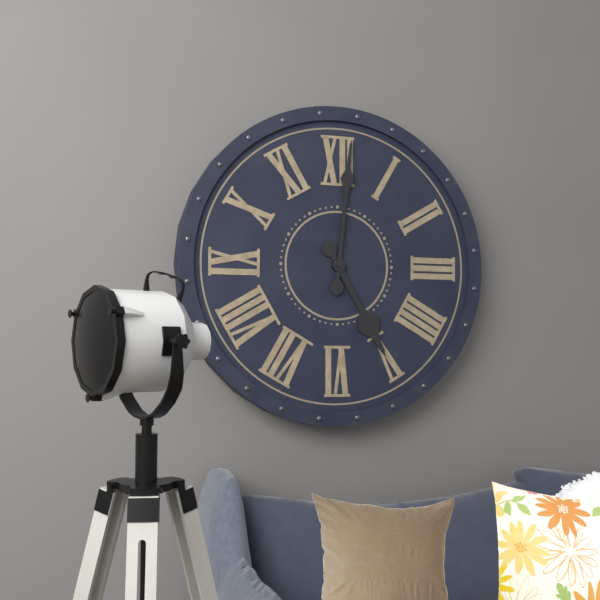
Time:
{"hour": 5, "minute": 1}
